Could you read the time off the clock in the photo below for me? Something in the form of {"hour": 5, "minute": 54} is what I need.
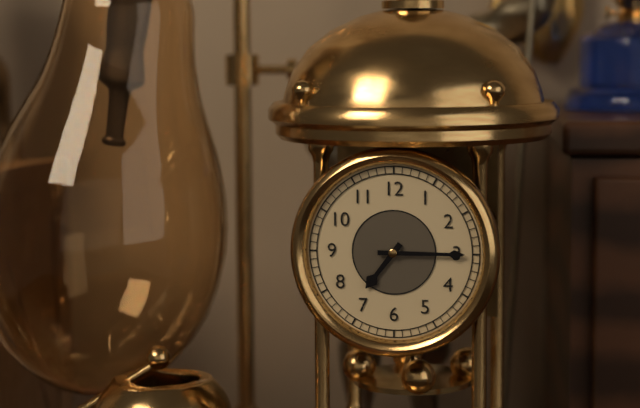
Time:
{"hour": 7, "minute": 15}
